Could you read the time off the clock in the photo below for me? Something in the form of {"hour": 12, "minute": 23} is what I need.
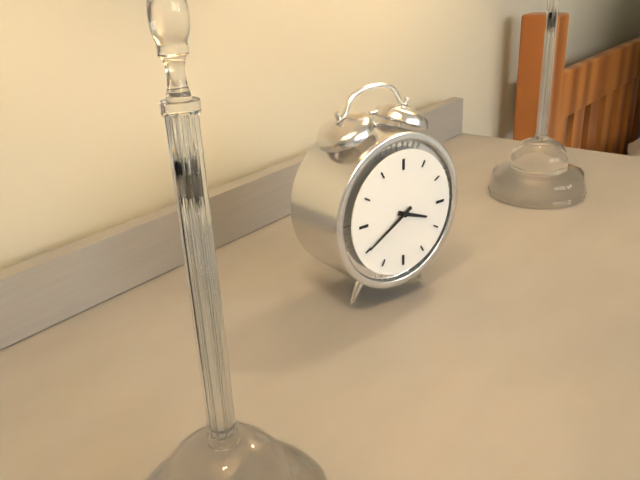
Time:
{"hour": 3, "minute": 40}
